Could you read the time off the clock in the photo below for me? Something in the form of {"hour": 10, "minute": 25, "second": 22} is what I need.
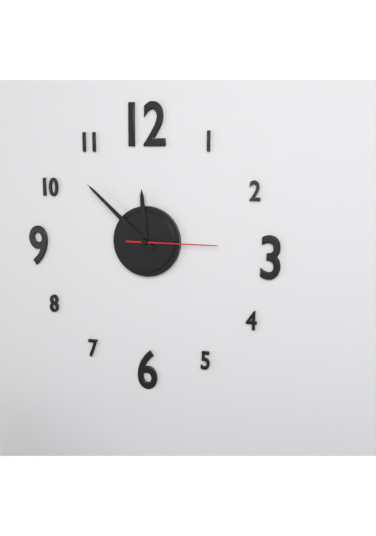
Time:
{"hour": 11, "minute": 52, "second": 15}
